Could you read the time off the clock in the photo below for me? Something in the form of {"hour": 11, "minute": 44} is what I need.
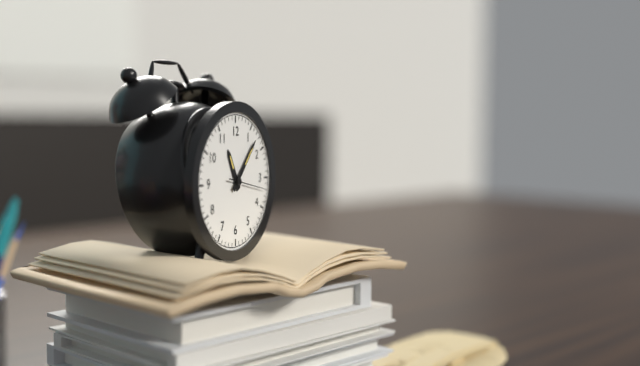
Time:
{"hour": 11, "minute": 7}
